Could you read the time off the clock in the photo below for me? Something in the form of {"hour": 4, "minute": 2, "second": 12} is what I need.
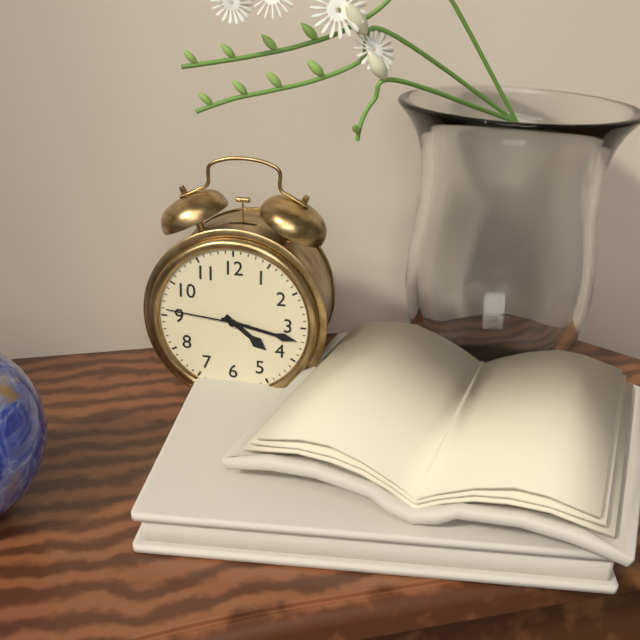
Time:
{"hour": 4, "minute": 17, "second": 46}
